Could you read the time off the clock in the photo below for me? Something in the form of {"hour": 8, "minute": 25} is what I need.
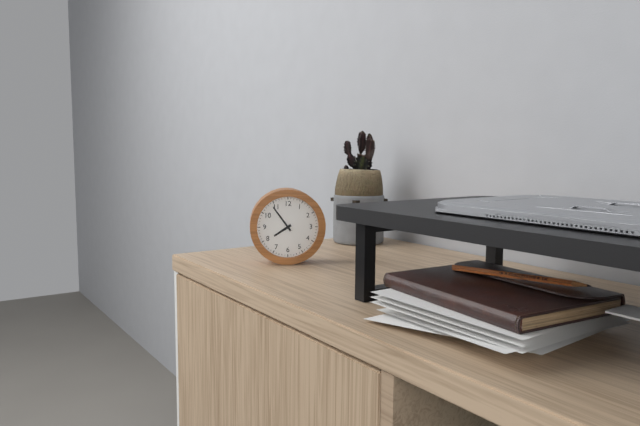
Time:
{"hour": 7, "minute": 54}
